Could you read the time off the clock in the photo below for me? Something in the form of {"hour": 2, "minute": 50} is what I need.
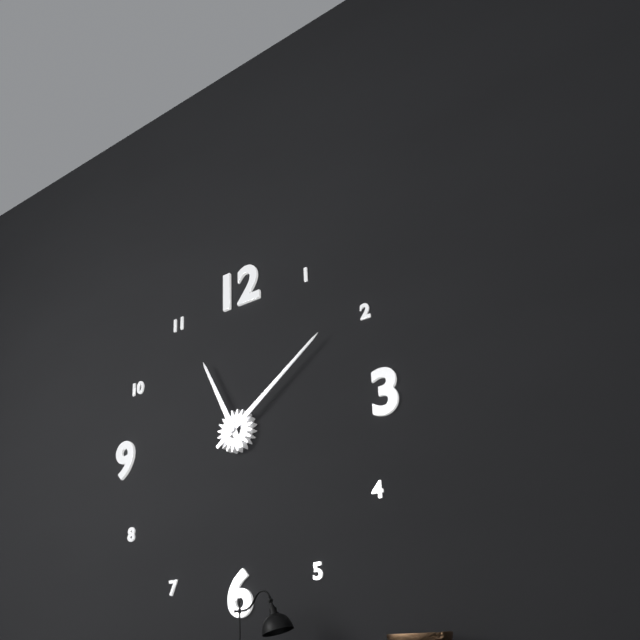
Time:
{"hour": 11, "minute": 9}
